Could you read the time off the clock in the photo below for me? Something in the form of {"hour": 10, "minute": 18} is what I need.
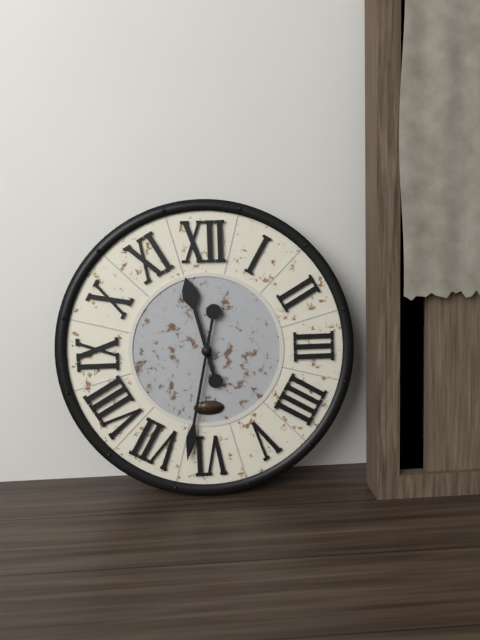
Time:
{"hour": 11, "minute": 32}
